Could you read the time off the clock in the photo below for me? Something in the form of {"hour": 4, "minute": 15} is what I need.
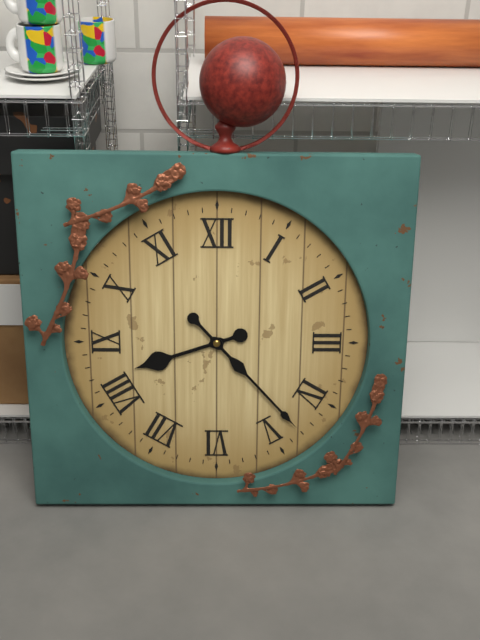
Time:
{"hour": 8, "minute": 23}
